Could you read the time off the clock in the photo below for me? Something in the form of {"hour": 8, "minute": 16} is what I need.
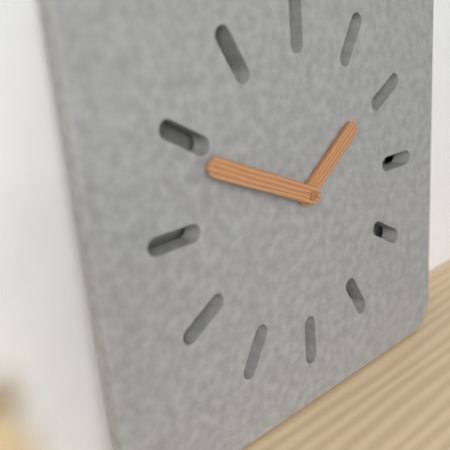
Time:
{"hour": 1, "minute": 49}
